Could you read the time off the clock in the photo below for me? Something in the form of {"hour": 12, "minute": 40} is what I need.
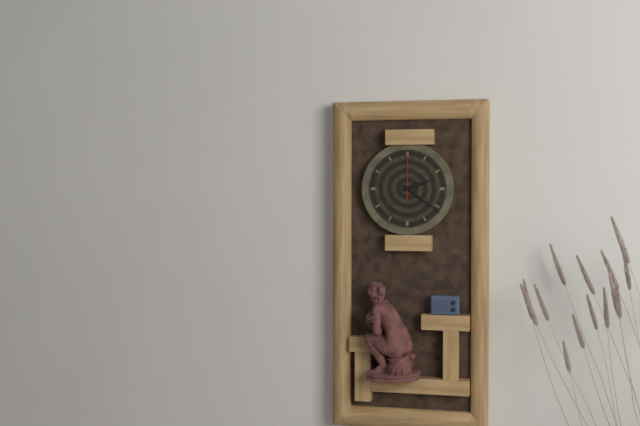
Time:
{"hour": 2, "minute": 21}
